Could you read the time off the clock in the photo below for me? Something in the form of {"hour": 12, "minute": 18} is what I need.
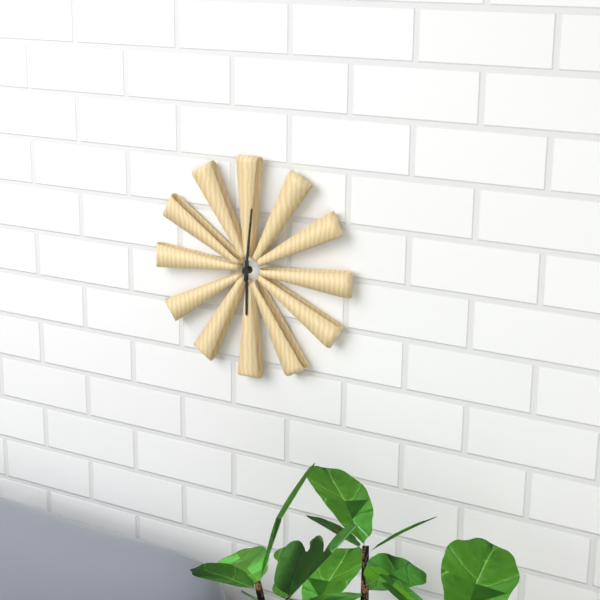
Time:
{"hour": 6, "minute": 1}
